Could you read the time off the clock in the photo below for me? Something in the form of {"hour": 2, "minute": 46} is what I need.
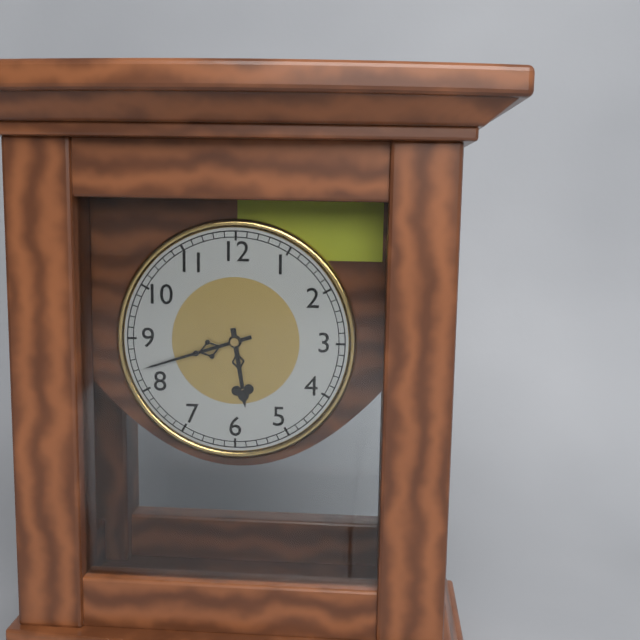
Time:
{"hour": 5, "minute": 42}
